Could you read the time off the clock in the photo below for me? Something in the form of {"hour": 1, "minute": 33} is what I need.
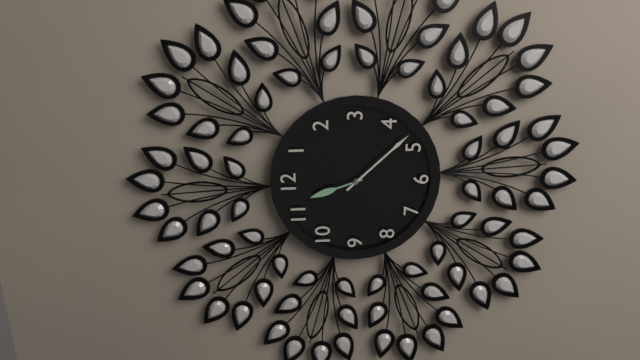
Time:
{"hour": 11, "minute": 23}
